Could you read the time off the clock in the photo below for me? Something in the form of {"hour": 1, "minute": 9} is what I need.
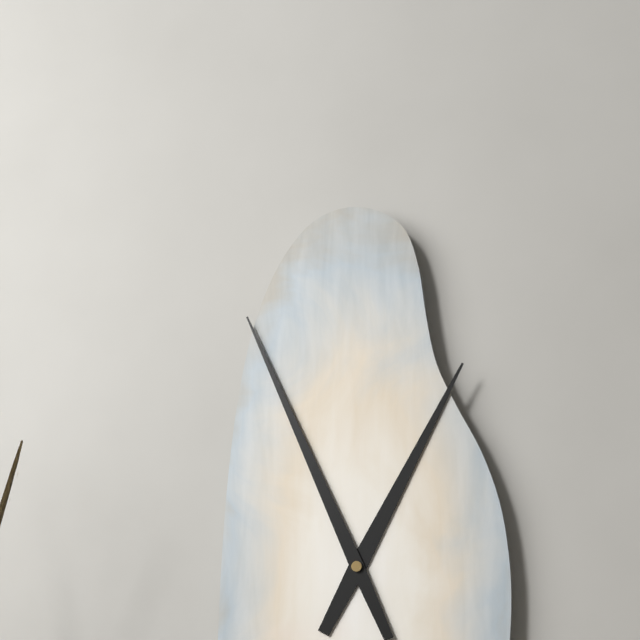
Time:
{"hour": 12, "minute": 56}
